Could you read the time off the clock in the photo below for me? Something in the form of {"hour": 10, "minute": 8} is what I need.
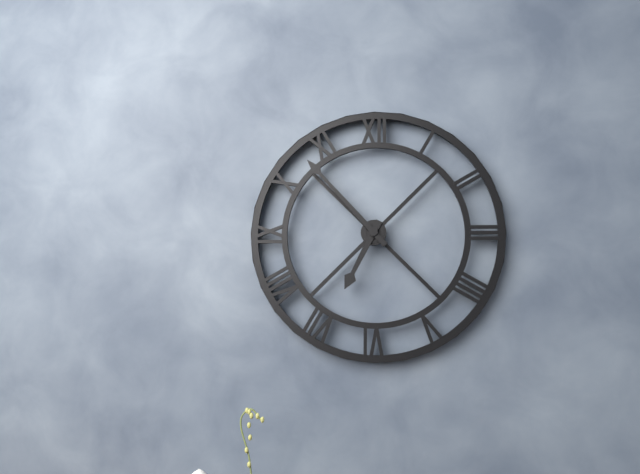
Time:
{"hour": 6, "minute": 53}
